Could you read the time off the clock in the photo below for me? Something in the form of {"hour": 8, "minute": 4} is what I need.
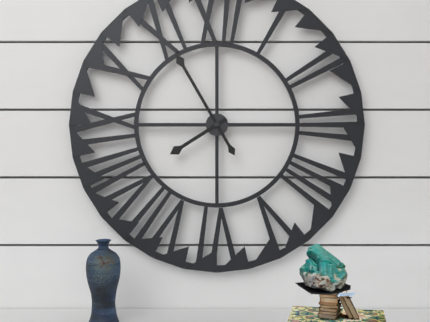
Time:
{"hour": 7, "minute": 55}
